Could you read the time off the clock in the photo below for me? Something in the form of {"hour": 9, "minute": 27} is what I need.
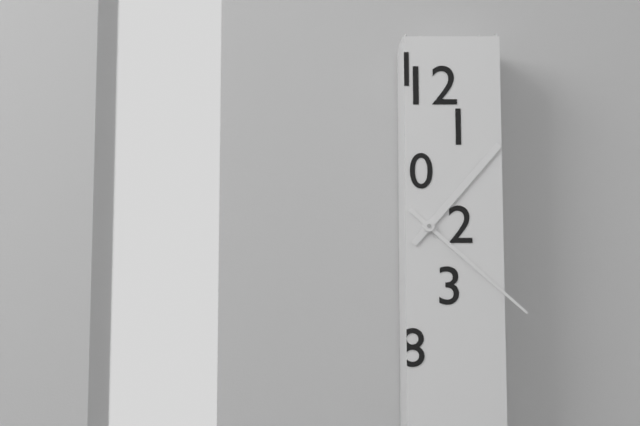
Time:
{"hour": 1, "minute": 22}
